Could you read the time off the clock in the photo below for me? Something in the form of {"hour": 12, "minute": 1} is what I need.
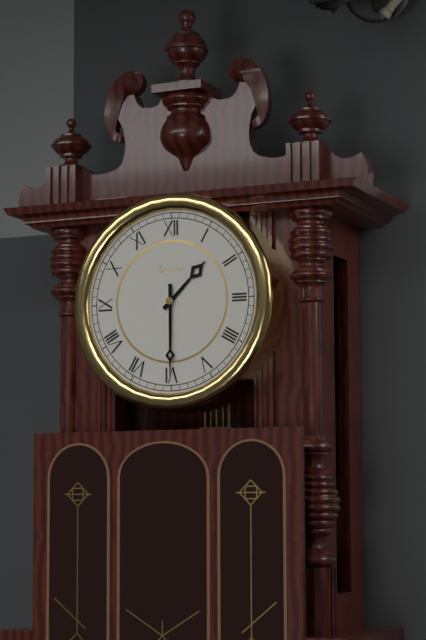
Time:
{"hour": 1, "minute": 30}
